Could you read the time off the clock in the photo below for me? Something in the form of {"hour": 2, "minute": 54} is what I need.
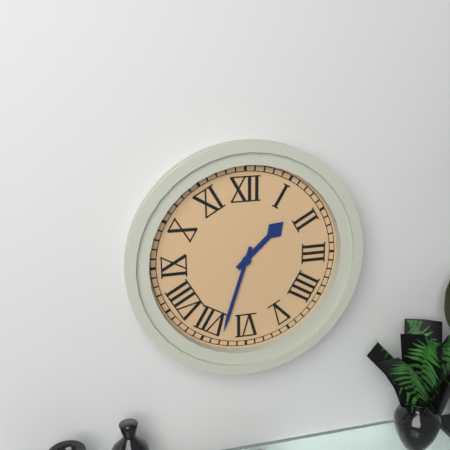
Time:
{"hour": 1, "minute": 33}
